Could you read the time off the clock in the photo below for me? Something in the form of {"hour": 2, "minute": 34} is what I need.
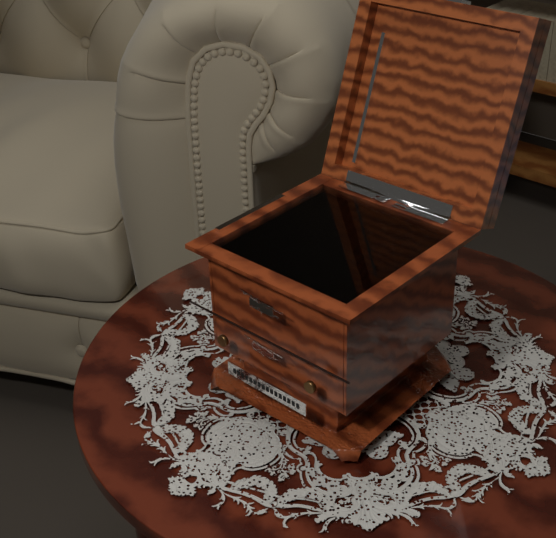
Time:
{"hour": 4, "minute": 38}
